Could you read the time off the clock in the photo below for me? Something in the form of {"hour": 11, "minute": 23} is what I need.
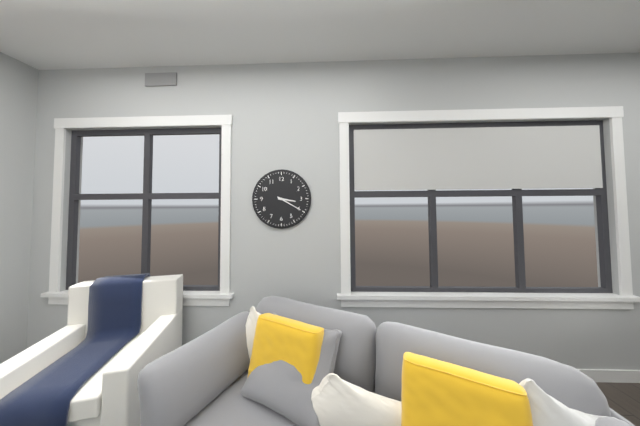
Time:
{"hour": 3, "minute": 20}
